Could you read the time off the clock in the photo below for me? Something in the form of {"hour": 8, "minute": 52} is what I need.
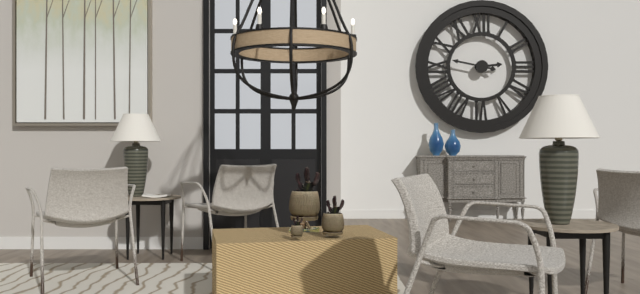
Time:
{"hour": 2, "minute": 47}
